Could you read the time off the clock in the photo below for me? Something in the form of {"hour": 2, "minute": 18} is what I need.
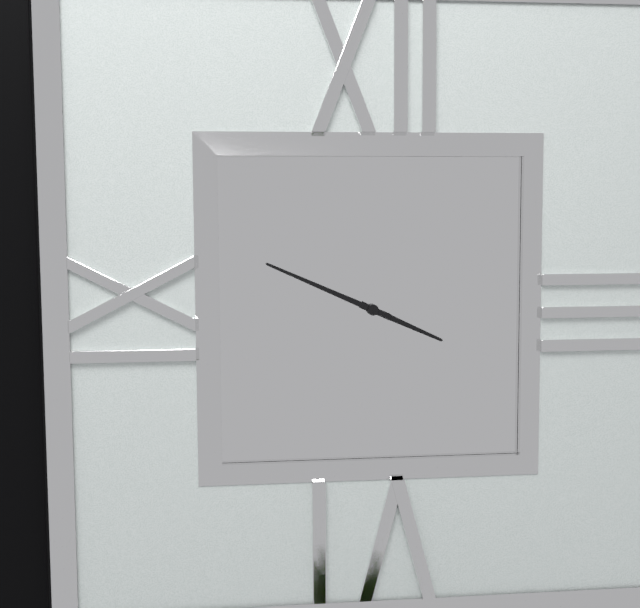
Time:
{"hour": 3, "minute": 49}
